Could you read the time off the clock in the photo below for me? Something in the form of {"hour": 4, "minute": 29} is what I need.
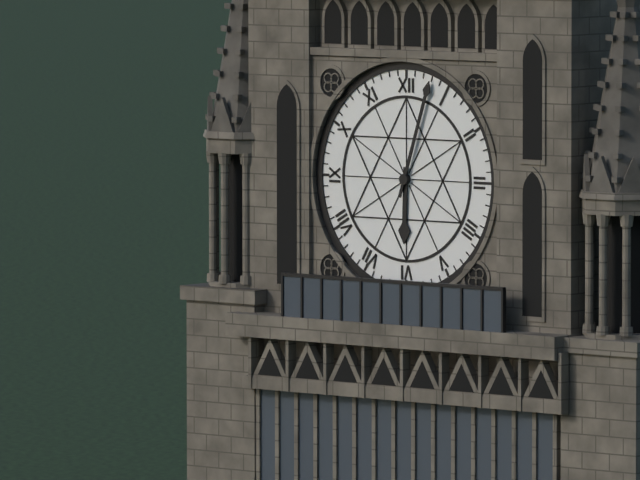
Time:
{"hour": 6, "minute": 3}
